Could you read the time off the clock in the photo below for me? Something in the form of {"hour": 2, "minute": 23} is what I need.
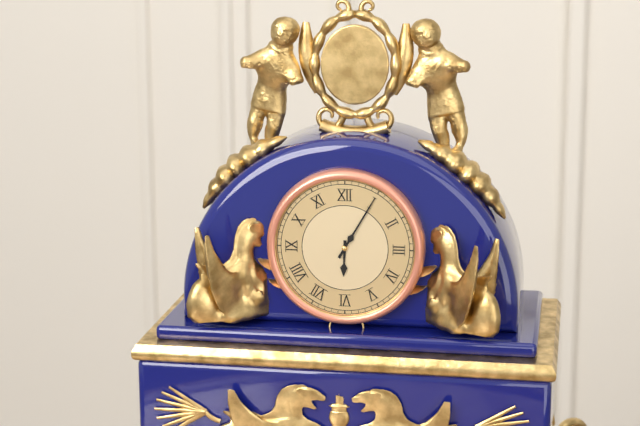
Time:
{"hour": 6, "minute": 5}
